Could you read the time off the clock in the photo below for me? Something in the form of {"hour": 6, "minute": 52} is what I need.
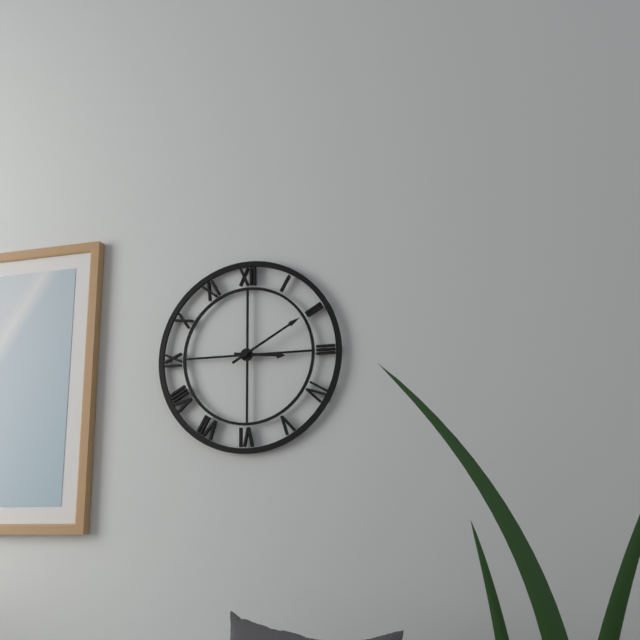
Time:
{"hour": 3, "minute": 10}
